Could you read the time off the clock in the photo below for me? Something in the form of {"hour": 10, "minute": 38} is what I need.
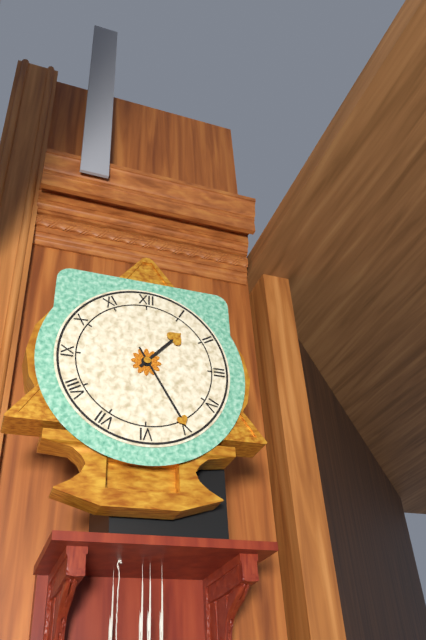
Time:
{"hour": 1, "minute": 25}
